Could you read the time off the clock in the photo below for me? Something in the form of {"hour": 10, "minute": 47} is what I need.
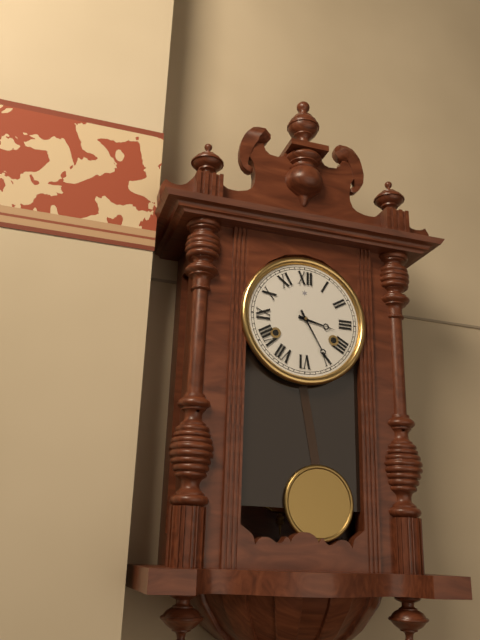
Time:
{"hour": 3, "minute": 25}
